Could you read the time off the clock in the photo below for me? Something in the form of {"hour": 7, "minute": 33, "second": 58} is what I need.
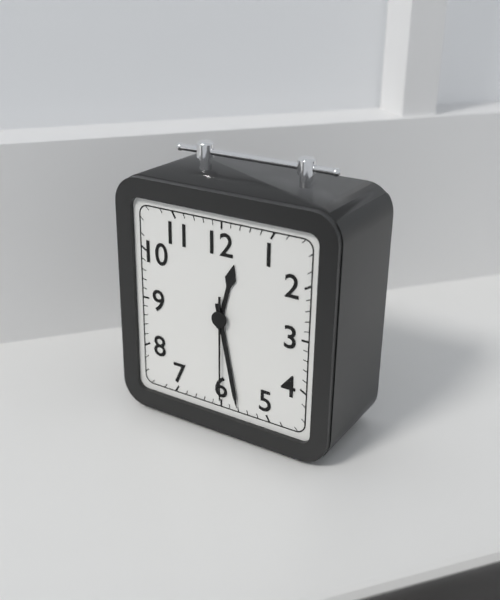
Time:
{"hour": 12, "minute": 28, "second": 30}
